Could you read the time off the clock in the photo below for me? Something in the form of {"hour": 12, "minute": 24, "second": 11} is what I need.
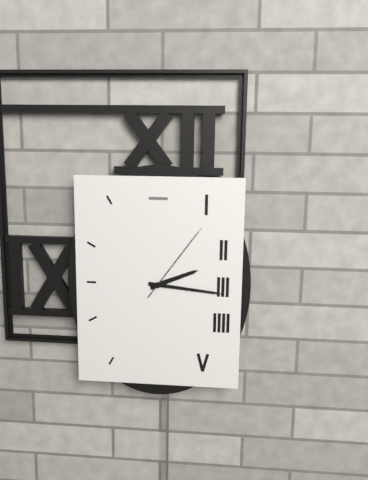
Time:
{"hour": 2, "minute": 16, "second": 6}
